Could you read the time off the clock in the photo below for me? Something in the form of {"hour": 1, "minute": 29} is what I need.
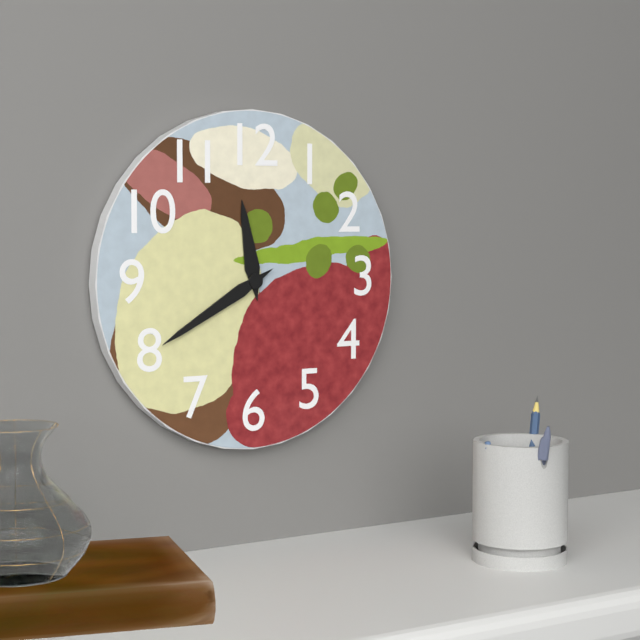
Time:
{"hour": 11, "minute": 40}
